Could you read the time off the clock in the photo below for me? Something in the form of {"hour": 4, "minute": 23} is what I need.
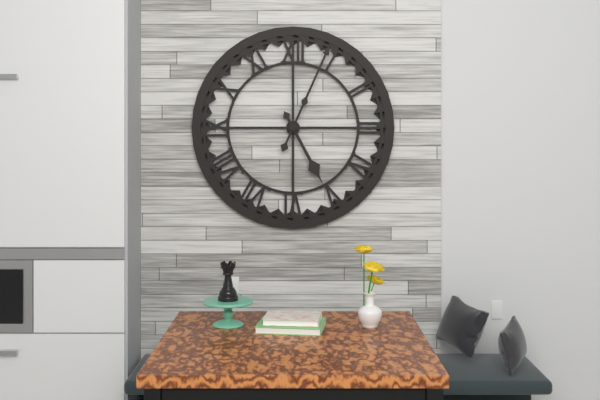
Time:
{"hour": 5, "minute": 4}
